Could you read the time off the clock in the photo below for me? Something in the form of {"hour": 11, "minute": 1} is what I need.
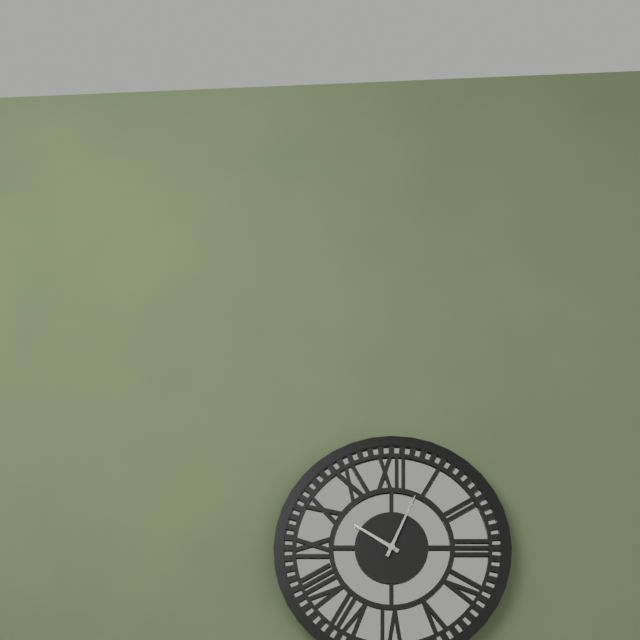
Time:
{"hour": 10, "minute": 4}
